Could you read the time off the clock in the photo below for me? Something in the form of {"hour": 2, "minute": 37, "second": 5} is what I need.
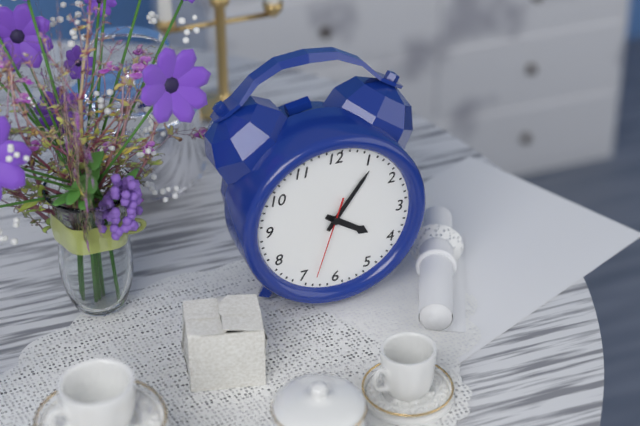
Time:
{"hour": 4, "minute": 6, "second": 33}
